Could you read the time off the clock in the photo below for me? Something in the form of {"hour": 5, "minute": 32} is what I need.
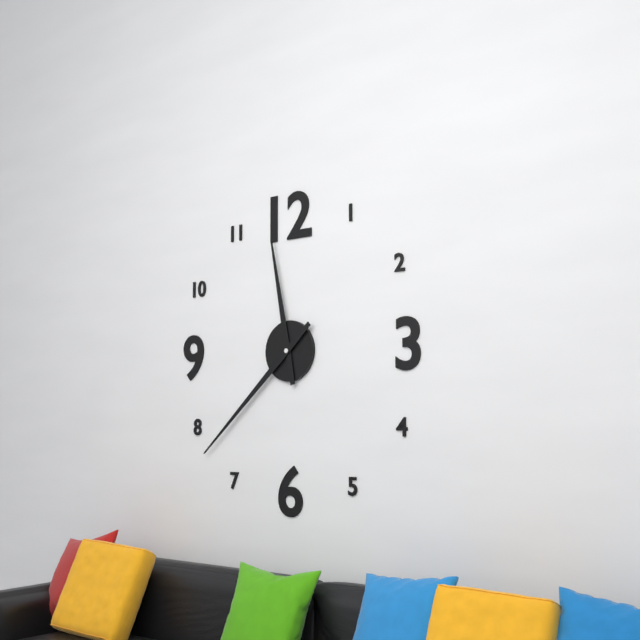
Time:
{"hour": 11, "minute": 38}
